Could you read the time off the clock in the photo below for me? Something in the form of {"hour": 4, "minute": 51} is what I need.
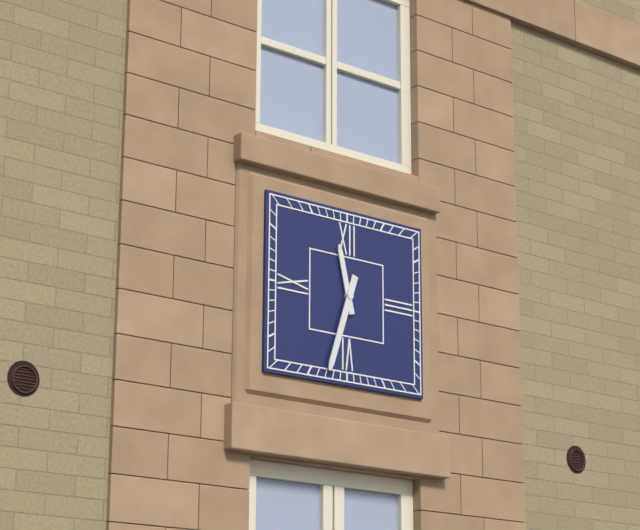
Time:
{"hour": 11, "minute": 33}
